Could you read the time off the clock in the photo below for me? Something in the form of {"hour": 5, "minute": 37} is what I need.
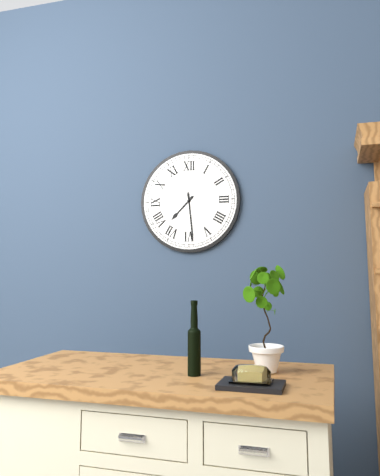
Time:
{"hour": 7, "minute": 29}
